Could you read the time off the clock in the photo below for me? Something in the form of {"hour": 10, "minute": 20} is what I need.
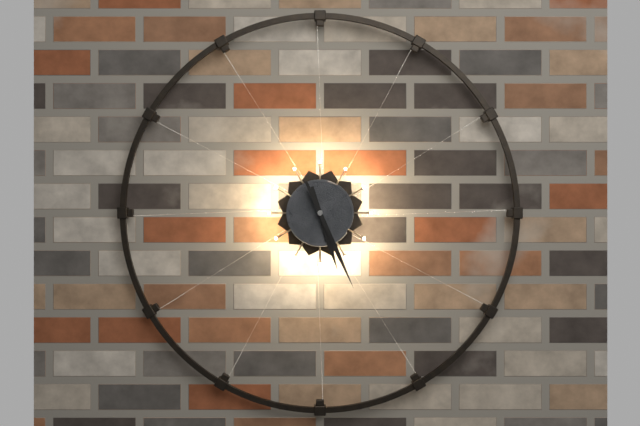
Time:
{"hour": 5, "minute": 26}
